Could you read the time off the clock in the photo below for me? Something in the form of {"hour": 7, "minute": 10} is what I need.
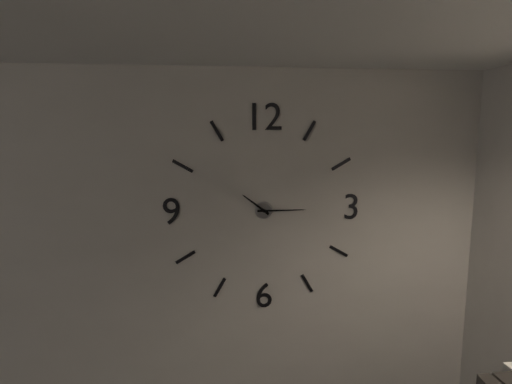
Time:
{"hour": 10, "minute": 15}
